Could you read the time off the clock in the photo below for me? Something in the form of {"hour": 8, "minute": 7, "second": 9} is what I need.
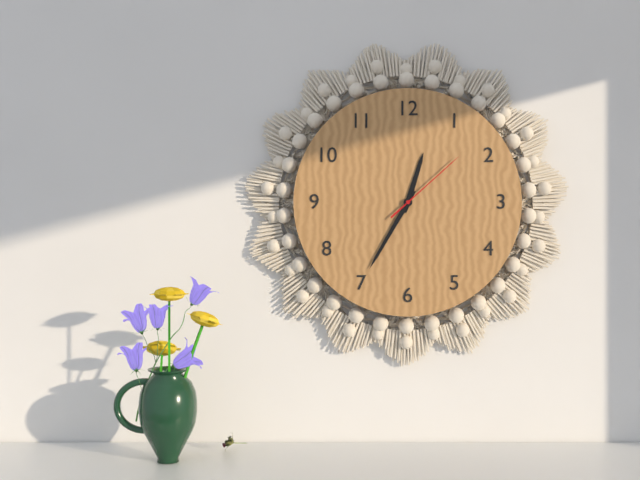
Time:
{"hour": 12, "minute": 35, "second": 8}
